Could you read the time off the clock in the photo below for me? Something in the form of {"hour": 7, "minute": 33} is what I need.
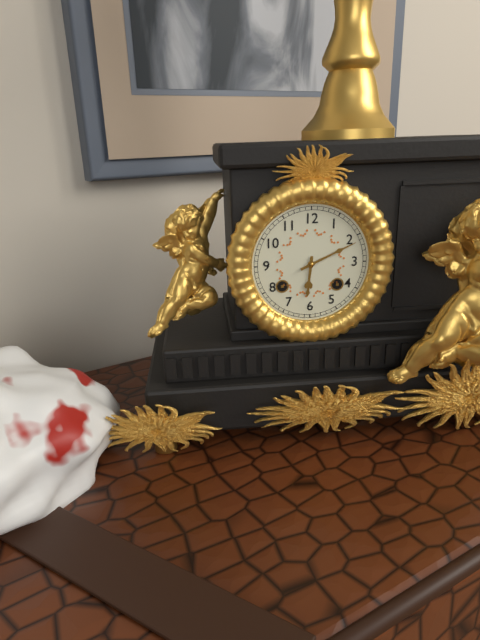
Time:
{"hour": 6, "minute": 11}
